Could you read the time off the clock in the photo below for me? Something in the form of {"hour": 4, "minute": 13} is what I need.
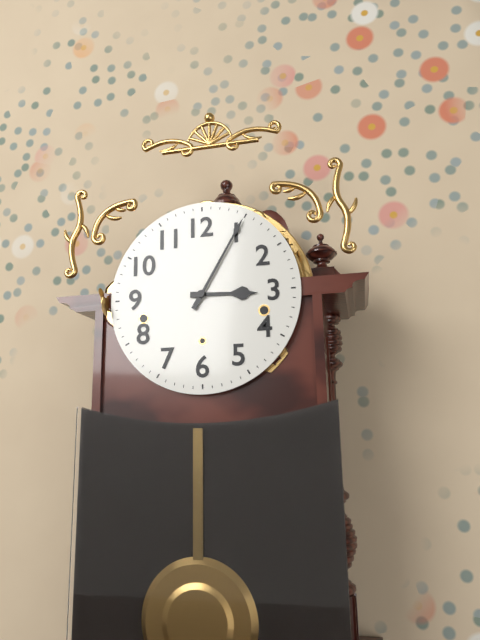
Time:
{"hour": 3, "minute": 5}
